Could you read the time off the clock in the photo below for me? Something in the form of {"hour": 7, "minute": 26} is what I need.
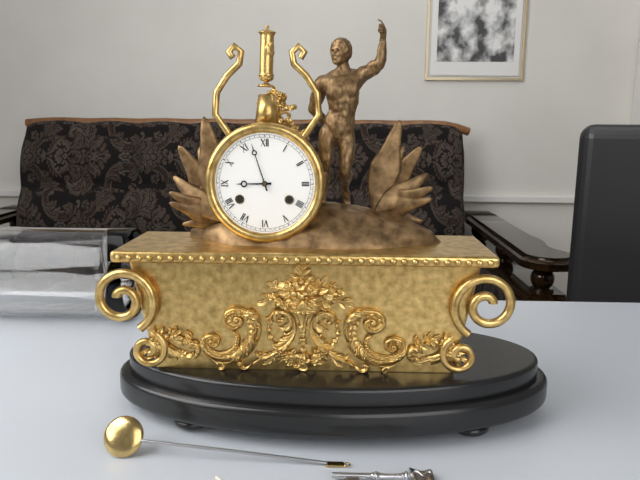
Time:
{"hour": 8, "minute": 57}
